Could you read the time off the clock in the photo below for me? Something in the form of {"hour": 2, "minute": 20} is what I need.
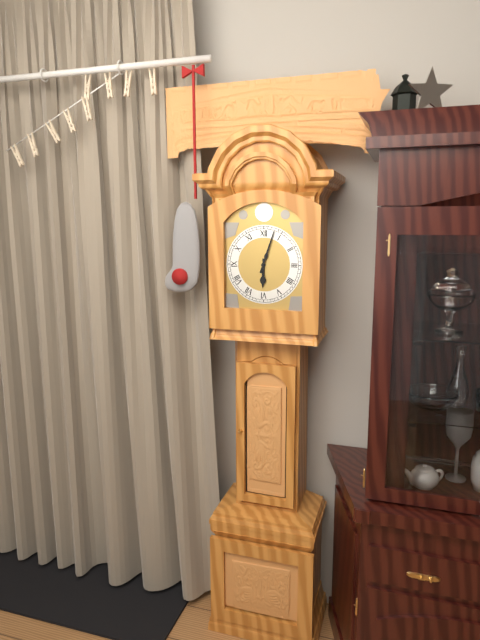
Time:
{"hour": 6, "minute": 3}
